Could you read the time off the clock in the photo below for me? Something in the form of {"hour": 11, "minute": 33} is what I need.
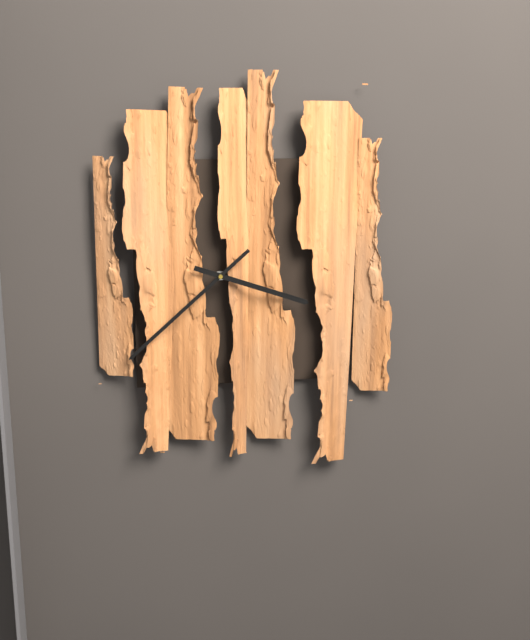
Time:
{"hour": 3, "minute": 38}
